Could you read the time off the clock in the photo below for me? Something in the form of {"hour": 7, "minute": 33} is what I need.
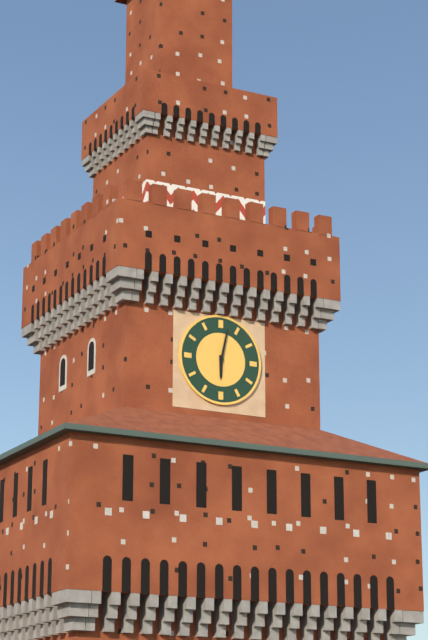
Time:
{"hour": 6, "minute": 2}
